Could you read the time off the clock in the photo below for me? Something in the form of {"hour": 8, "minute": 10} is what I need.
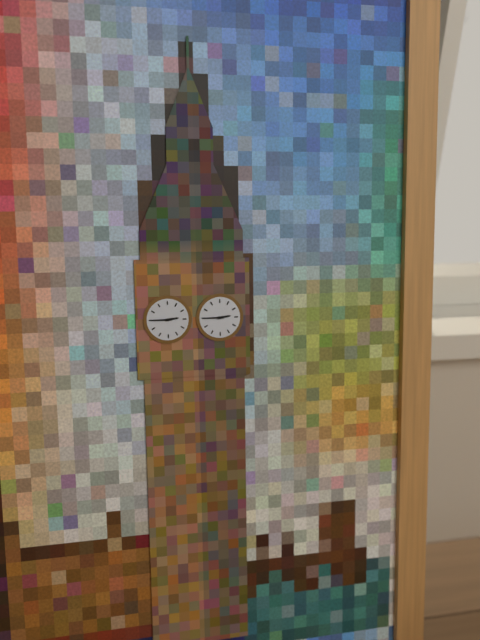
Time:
{"hour": 2, "minute": 45}
